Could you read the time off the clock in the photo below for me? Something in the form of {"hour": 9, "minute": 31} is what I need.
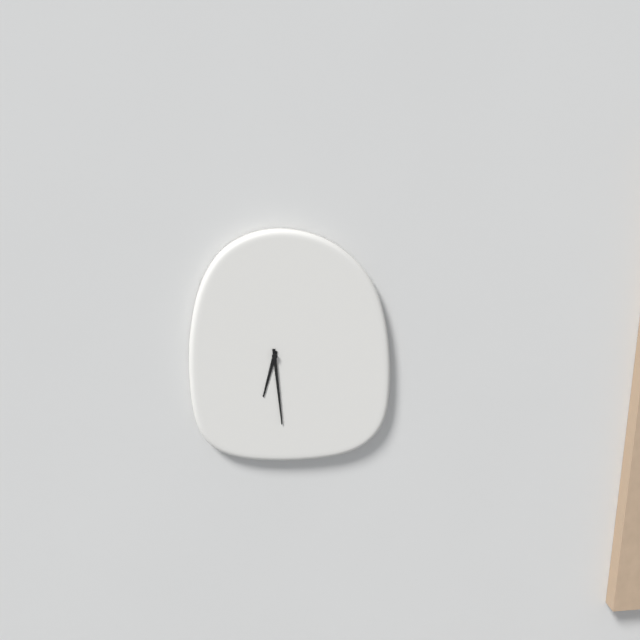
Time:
{"hour": 6, "minute": 29}
